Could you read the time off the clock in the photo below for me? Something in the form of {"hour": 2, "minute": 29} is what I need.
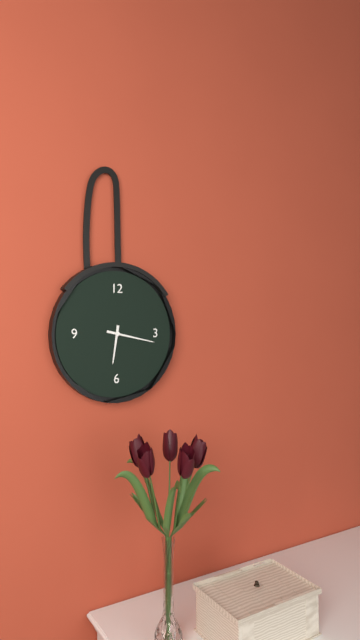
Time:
{"hour": 6, "minute": 17}
